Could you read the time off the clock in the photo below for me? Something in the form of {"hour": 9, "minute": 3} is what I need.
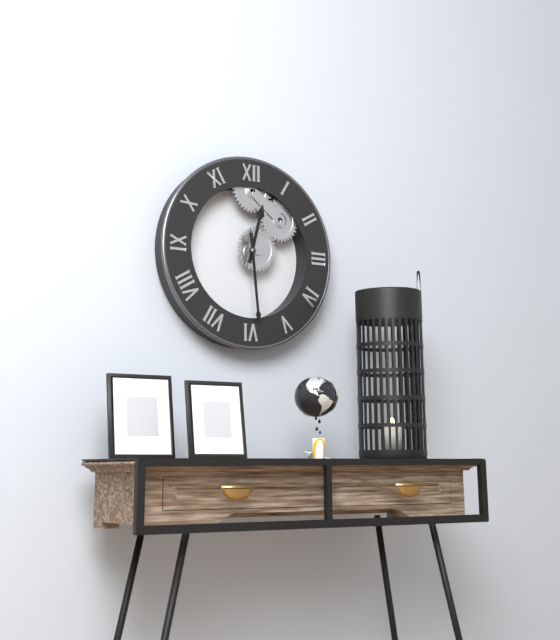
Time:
{"hour": 12, "minute": 29}
